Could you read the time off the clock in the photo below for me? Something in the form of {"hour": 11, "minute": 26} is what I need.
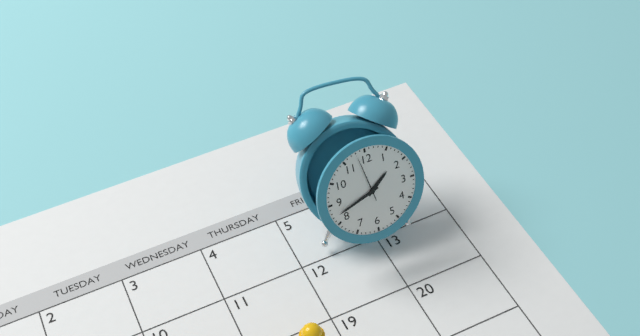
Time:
{"hour": 1, "minute": 42}
